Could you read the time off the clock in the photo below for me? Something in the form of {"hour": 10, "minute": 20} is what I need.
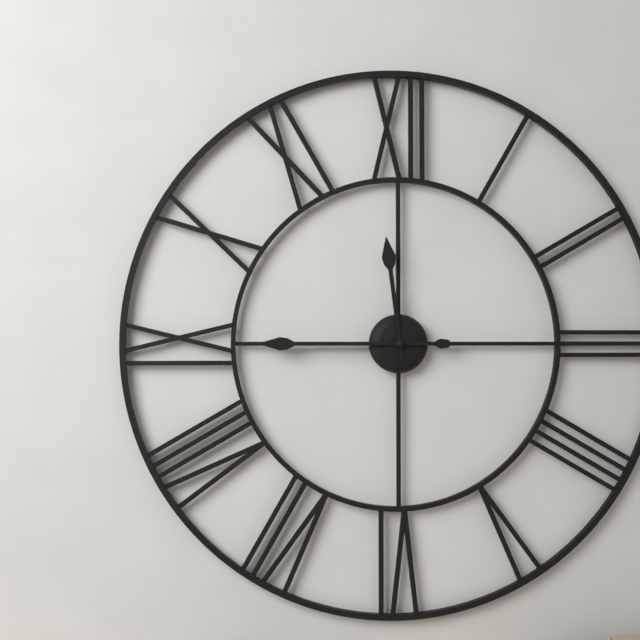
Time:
{"hour": 11, "minute": 45}
